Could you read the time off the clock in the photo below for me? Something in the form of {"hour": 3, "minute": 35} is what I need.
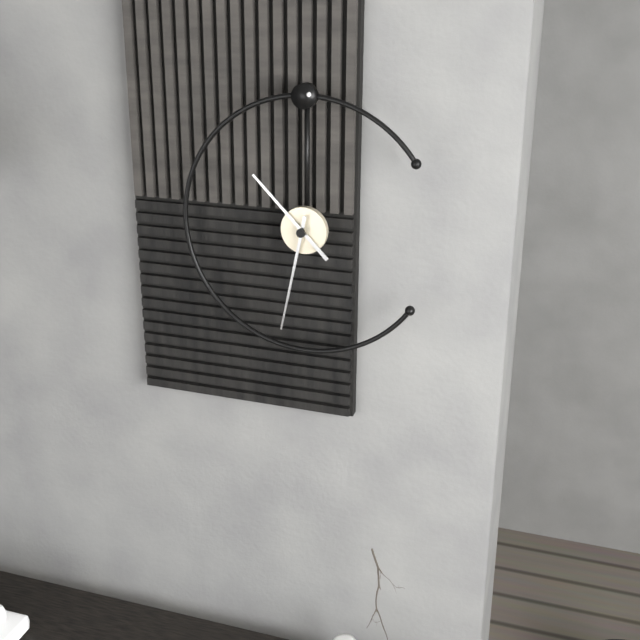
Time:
{"hour": 10, "minute": 32}
